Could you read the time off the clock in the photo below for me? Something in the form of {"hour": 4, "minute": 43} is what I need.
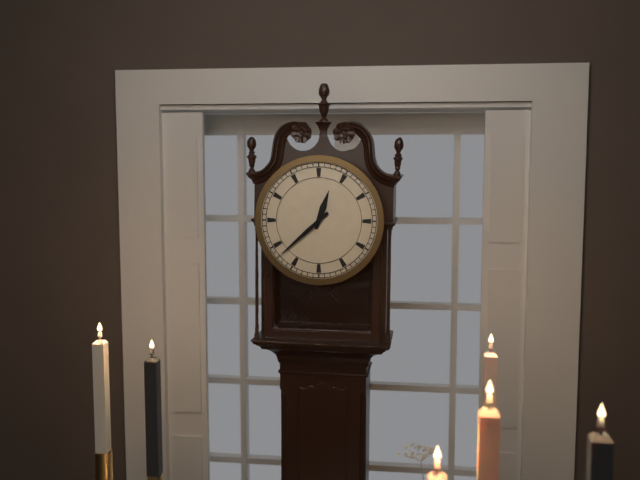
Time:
{"hour": 12, "minute": 38}
